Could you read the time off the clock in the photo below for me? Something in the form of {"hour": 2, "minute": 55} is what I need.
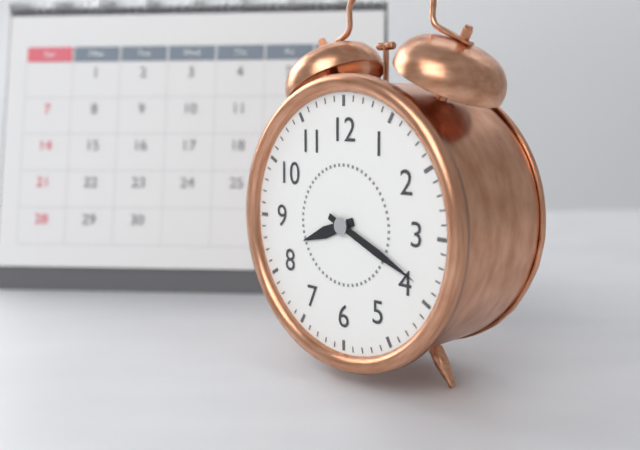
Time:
{"hour": 8, "minute": 19}
